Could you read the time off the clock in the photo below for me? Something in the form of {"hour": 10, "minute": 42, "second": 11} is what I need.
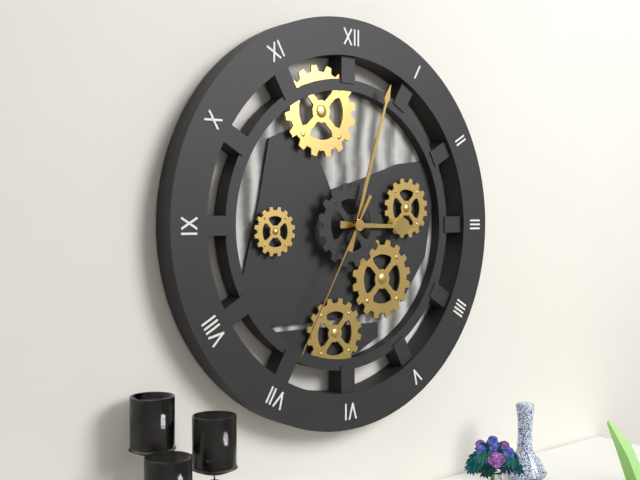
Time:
{"hour": 3, "minute": 3, "second": 35}
